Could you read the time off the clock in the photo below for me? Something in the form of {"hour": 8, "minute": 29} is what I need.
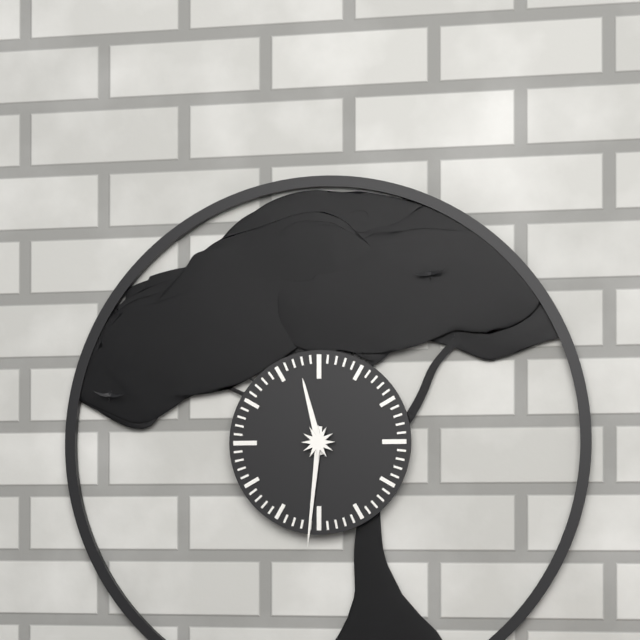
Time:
{"hour": 11, "minute": 31}
